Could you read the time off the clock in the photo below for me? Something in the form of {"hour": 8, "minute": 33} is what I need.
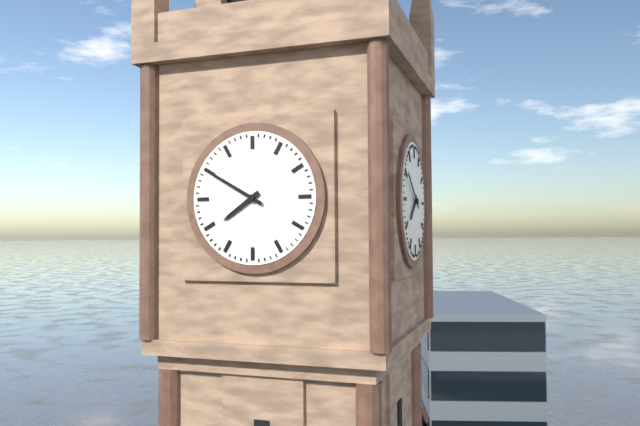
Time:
{"hour": 7, "minute": 50}
